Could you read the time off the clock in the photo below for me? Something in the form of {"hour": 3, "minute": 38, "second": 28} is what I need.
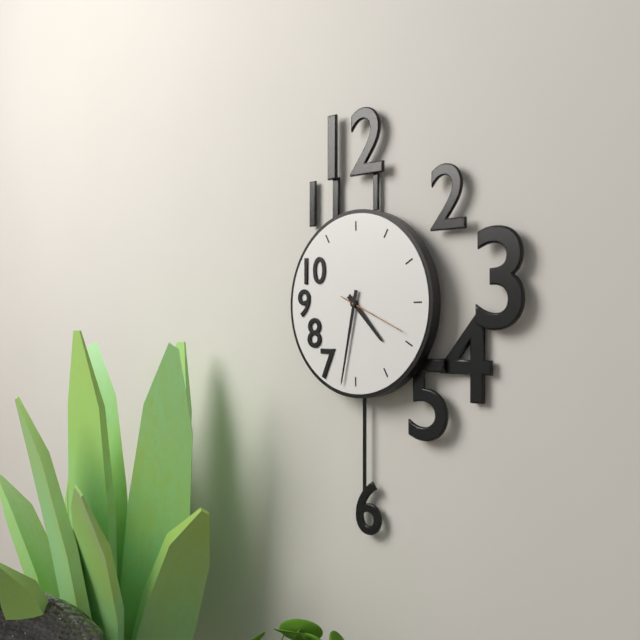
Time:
{"hour": 4, "minute": 32, "second": 19}
